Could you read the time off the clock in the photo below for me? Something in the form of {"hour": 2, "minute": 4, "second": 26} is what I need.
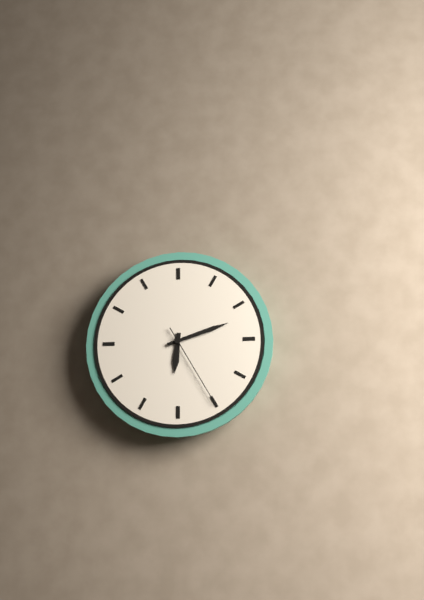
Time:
{"hour": 6, "minute": 12, "second": 25}
